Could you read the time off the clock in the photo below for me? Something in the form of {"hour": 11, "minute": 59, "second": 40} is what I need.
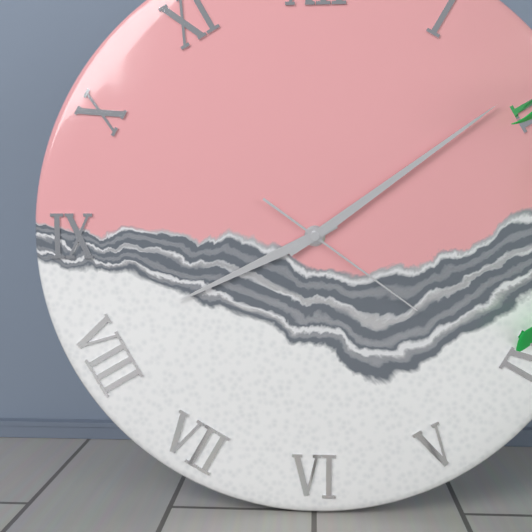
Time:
{"hour": 8, "minute": 9, "second": 21}
